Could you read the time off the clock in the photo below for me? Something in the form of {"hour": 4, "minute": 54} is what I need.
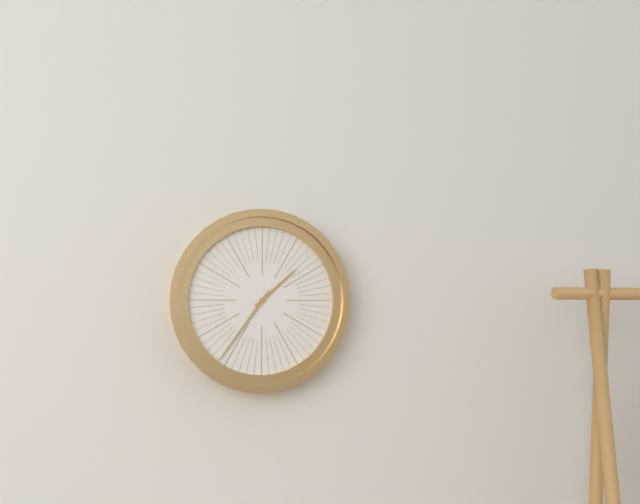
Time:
{"hour": 1, "minute": 36}
